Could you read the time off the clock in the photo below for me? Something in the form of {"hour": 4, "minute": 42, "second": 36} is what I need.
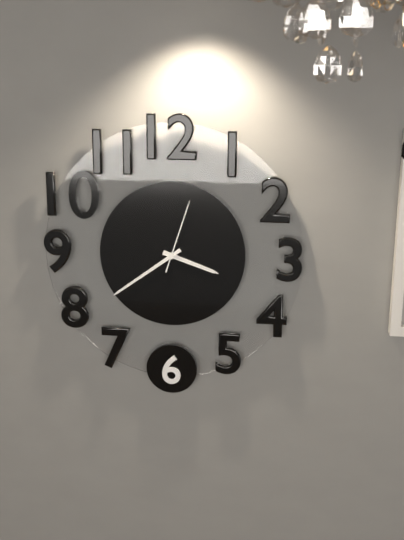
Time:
{"hour": 3, "minute": 39, "second": 3}
